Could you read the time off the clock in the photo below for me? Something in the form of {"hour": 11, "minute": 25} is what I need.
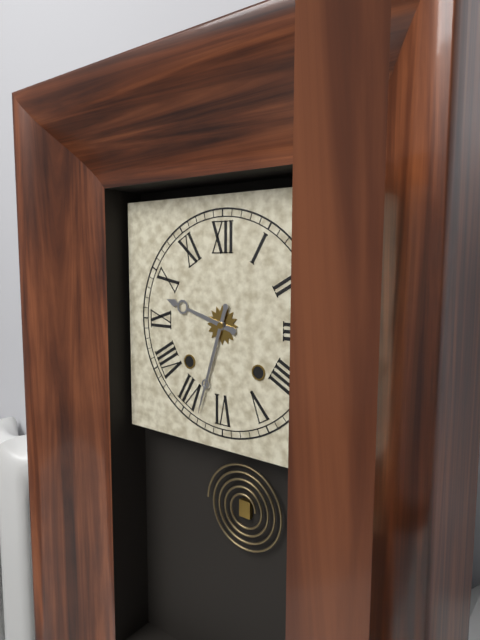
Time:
{"hour": 9, "minute": 33}
